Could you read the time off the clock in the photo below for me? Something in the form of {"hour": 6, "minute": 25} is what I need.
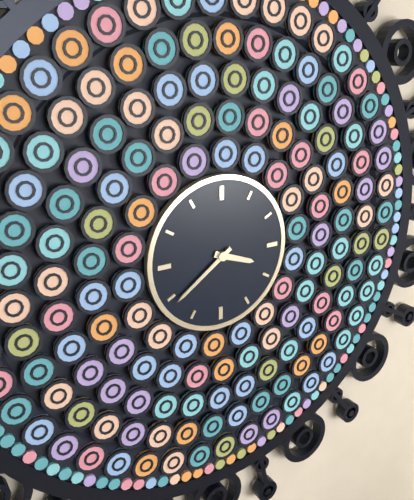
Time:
{"hour": 3, "minute": 39}
